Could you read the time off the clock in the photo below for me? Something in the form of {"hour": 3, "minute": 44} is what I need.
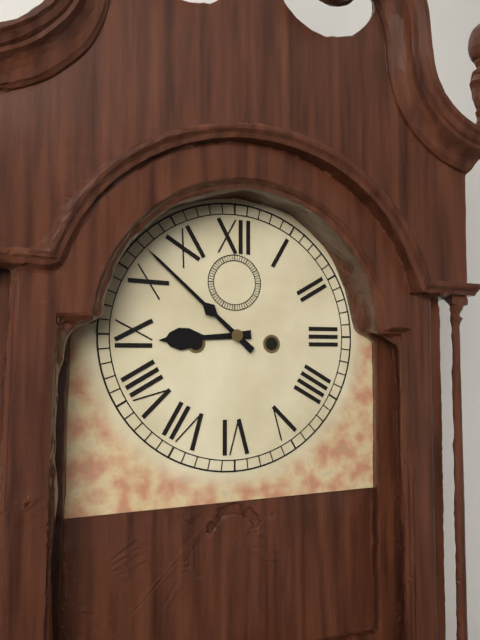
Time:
{"hour": 8, "minute": 52}
